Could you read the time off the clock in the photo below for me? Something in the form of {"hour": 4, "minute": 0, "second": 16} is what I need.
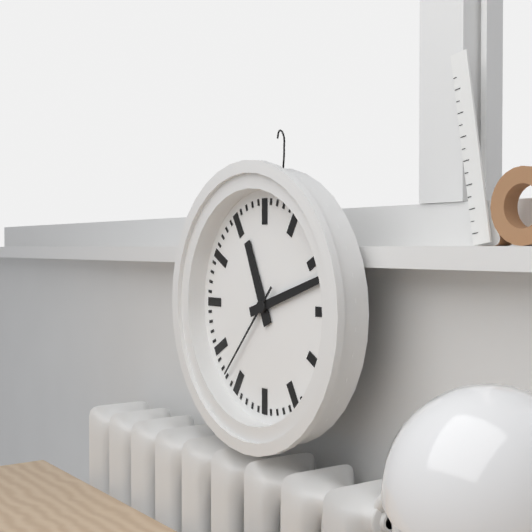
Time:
{"hour": 11, "minute": 12, "second": 37}
